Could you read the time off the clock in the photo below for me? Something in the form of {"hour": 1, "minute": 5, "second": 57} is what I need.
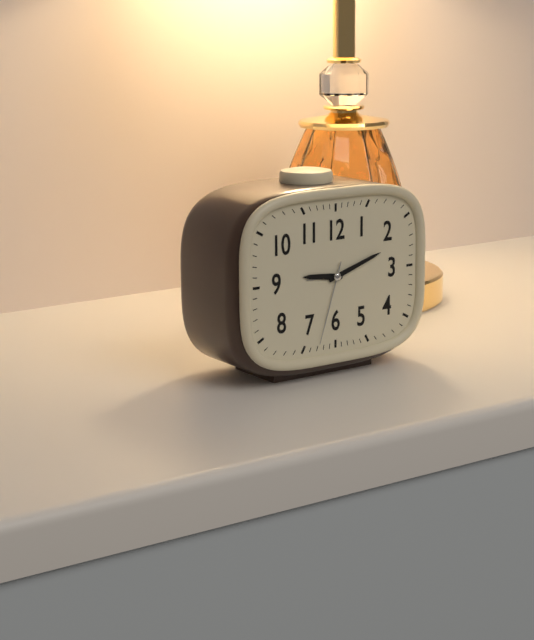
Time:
{"hour": 9, "minute": 12, "second": 33}
